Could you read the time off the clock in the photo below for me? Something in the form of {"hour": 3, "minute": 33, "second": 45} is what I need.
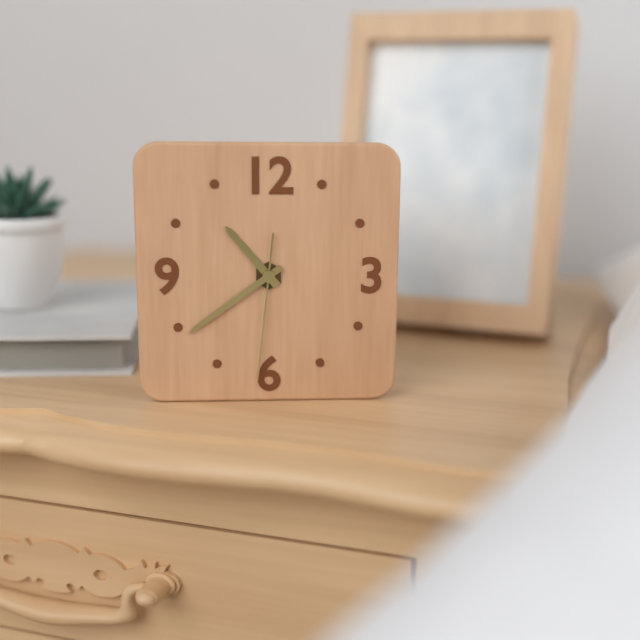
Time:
{"hour": 10, "minute": 39, "second": 31}
